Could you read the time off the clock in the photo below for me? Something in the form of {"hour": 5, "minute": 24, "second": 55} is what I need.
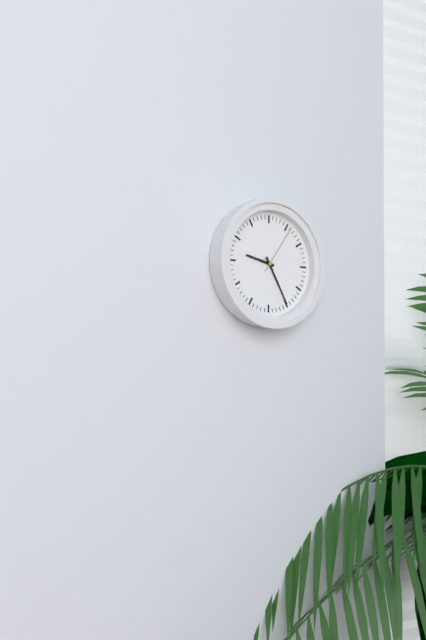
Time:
{"hour": 9, "minute": 25, "second": 6}
